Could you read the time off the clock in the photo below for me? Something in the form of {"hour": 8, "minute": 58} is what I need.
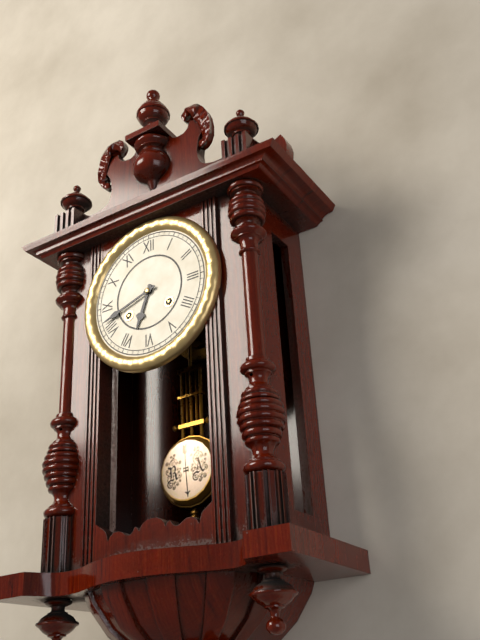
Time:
{"hour": 6, "minute": 42}
